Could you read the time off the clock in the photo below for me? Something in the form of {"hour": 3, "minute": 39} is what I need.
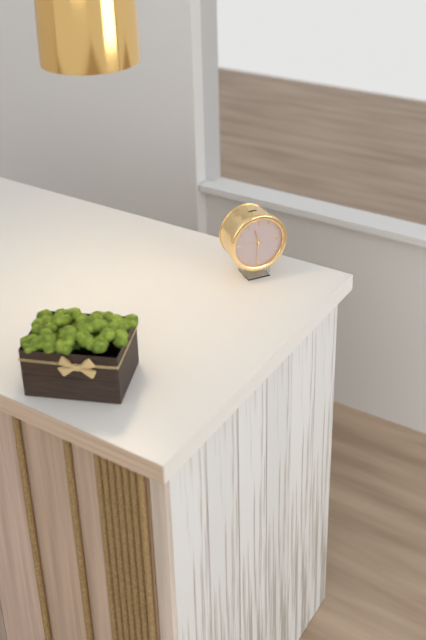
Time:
{"hour": 11, "minute": 31}
